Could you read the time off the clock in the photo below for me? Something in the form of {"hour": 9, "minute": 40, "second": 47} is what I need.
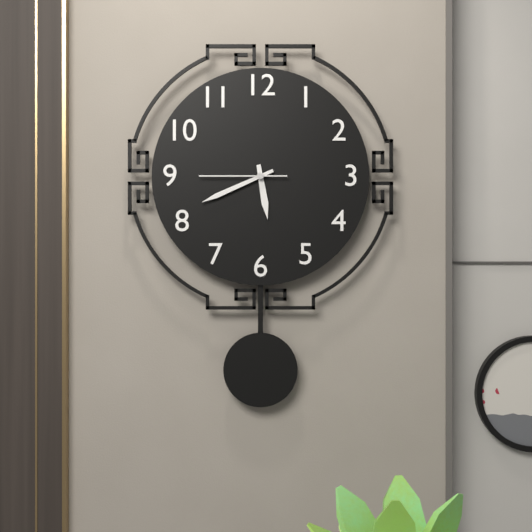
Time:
{"hour": 5, "minute": 41, "second": 45}
